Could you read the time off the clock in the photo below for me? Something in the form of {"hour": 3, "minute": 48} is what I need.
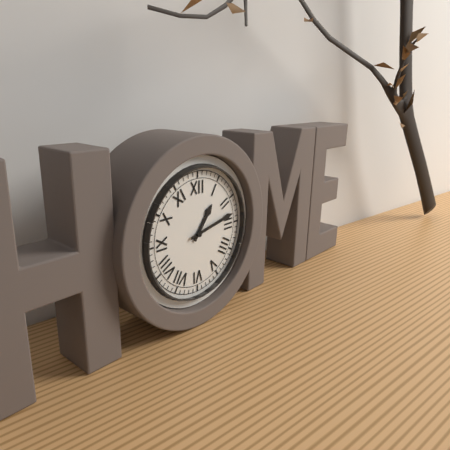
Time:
{"hour": 1, "minute": 13}
